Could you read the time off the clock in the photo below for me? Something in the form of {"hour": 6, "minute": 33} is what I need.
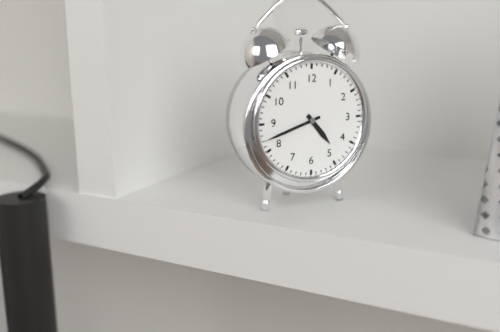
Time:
{"hour": 4, "minute": 42}
